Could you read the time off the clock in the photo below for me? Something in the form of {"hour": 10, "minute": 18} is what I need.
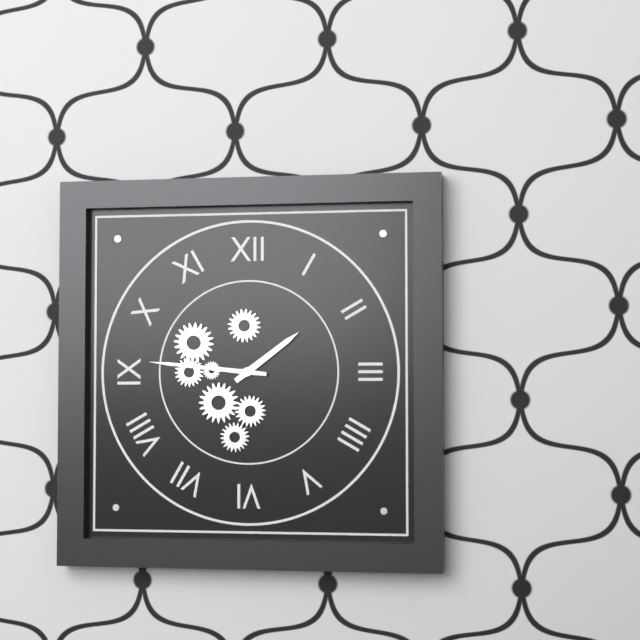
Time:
{"hour": 1, "minute": 46}
